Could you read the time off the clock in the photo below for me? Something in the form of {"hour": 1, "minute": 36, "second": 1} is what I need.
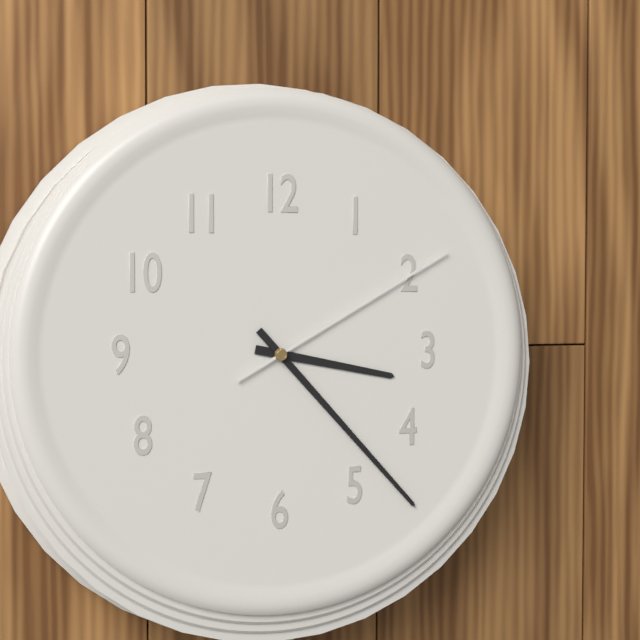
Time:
{"hour": 3, "minute": 23, "second": 10}
